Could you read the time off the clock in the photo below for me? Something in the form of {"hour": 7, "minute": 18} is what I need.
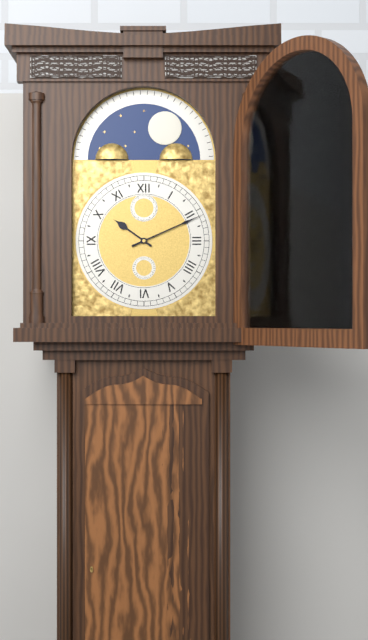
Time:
{"hour": 10, "minute": 11}
